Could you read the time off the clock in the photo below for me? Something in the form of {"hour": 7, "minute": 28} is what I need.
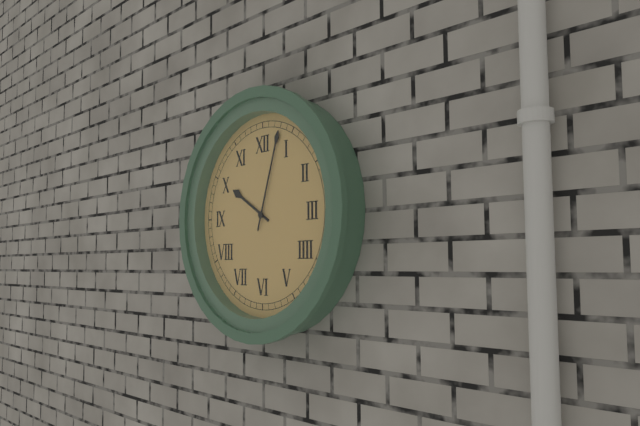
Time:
{"hour": 10, "minute": 3}
